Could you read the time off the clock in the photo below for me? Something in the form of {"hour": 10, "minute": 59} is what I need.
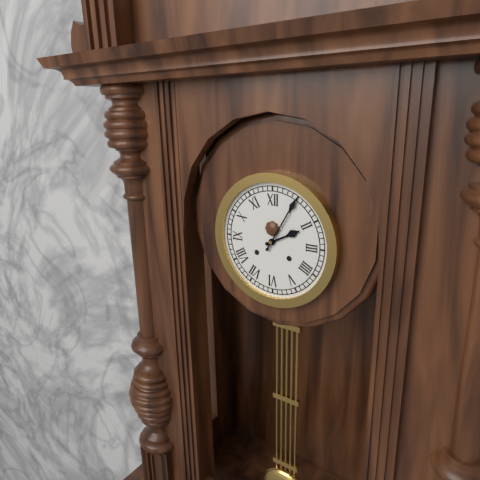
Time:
{"hour": 2, "minute": 5}
